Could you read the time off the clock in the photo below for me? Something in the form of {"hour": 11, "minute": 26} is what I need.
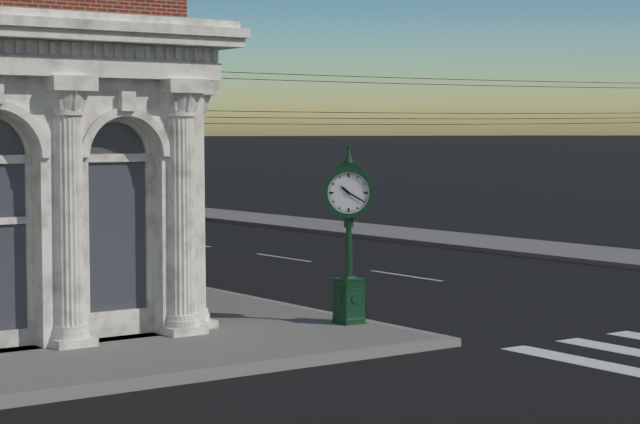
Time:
{"hour": 10, "minute": 20}
